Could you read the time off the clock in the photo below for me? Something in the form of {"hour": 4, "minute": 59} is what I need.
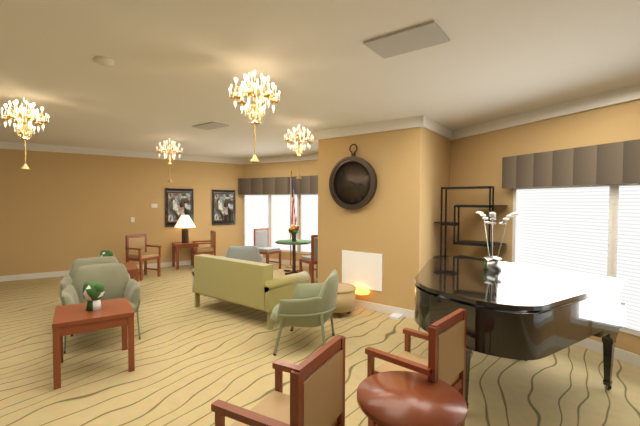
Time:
{"hour": 3, "minute": 22}
